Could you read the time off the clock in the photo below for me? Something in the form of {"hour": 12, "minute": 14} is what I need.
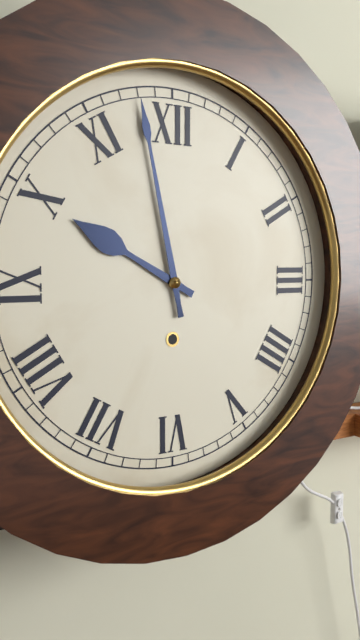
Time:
{"hour": 9, "minute": 58}
